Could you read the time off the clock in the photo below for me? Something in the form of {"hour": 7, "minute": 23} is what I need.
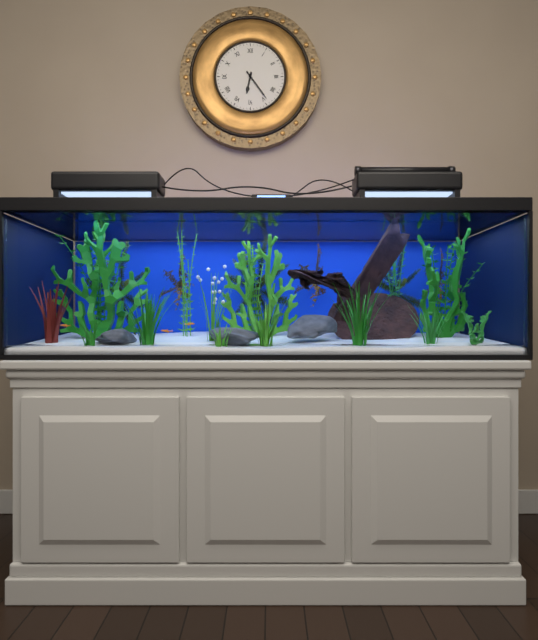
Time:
{"hour": 6, "minute": 24}
